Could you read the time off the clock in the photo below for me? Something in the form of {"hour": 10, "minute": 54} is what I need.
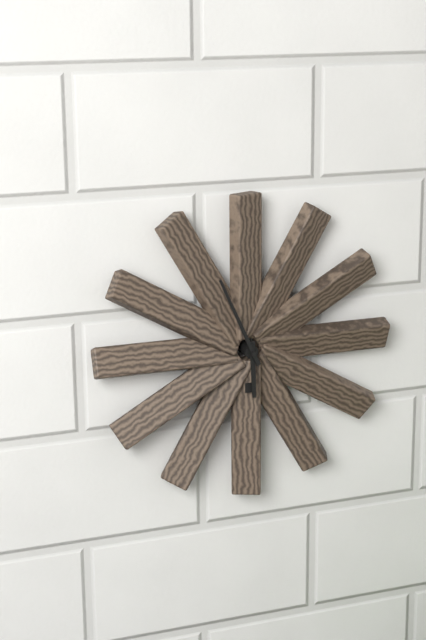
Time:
{"hour": 5, "minute": 56}
